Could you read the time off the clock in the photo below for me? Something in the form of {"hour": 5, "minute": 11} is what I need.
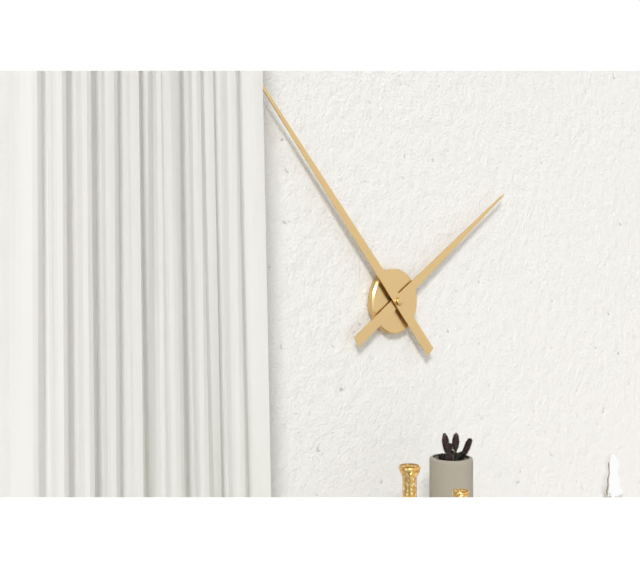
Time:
{"hour": 1, "minute": 53}
